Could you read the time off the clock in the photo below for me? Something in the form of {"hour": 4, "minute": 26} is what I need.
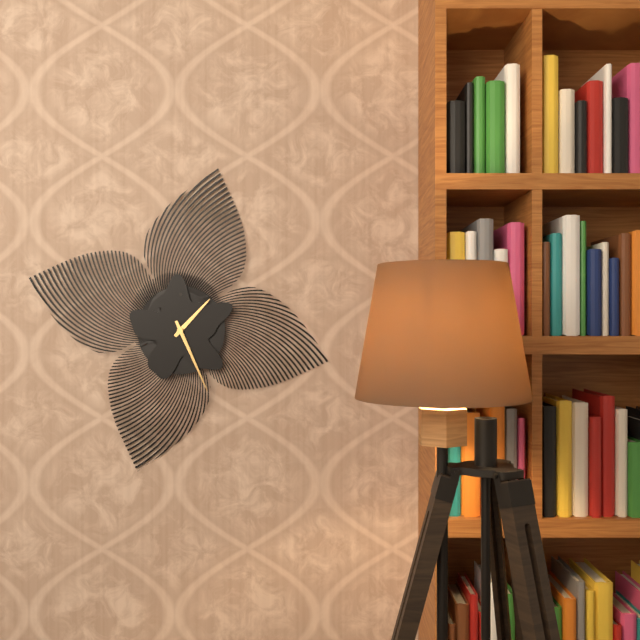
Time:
{"hour": 1, "minute": 26}
